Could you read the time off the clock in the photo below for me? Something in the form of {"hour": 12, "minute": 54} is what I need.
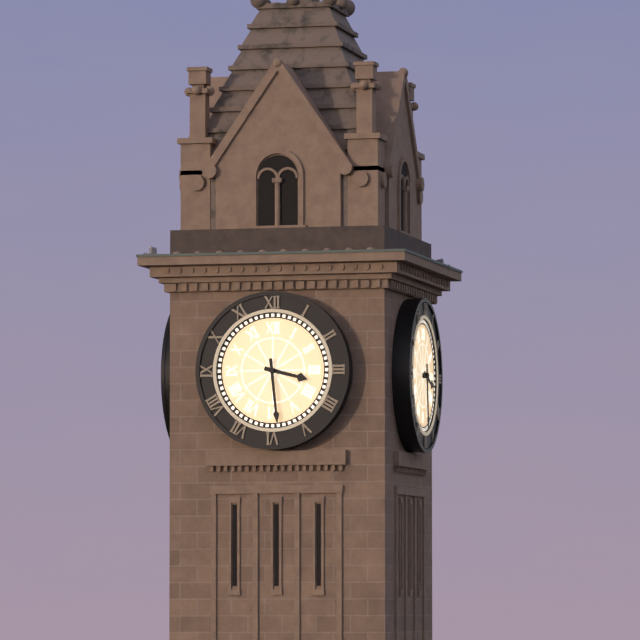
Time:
{"hour": 3, "minute": 29}
